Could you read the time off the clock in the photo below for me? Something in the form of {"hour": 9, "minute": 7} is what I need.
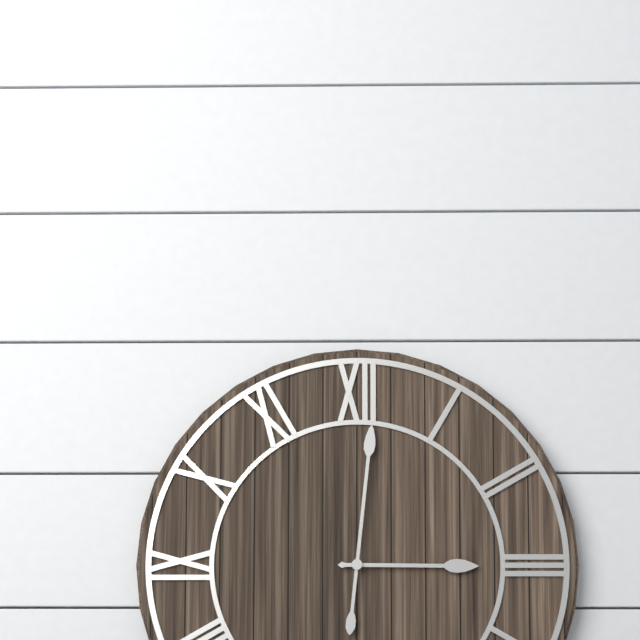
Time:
{"hour": 3, "minute": 1}
